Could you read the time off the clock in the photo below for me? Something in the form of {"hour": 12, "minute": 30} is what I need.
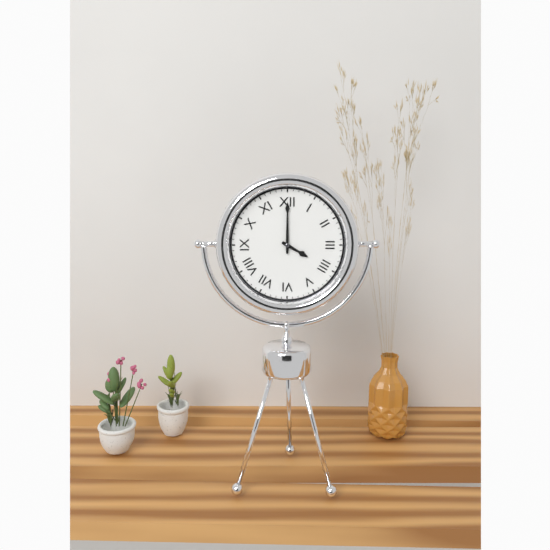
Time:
{"hour": 4, "minute": 0}
